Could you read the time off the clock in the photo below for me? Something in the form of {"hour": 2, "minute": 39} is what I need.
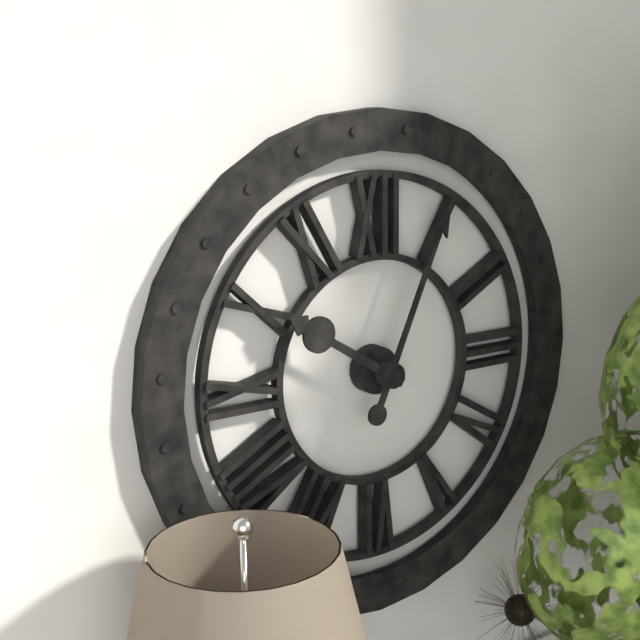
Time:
{"hour": 10, "minute": 4}
